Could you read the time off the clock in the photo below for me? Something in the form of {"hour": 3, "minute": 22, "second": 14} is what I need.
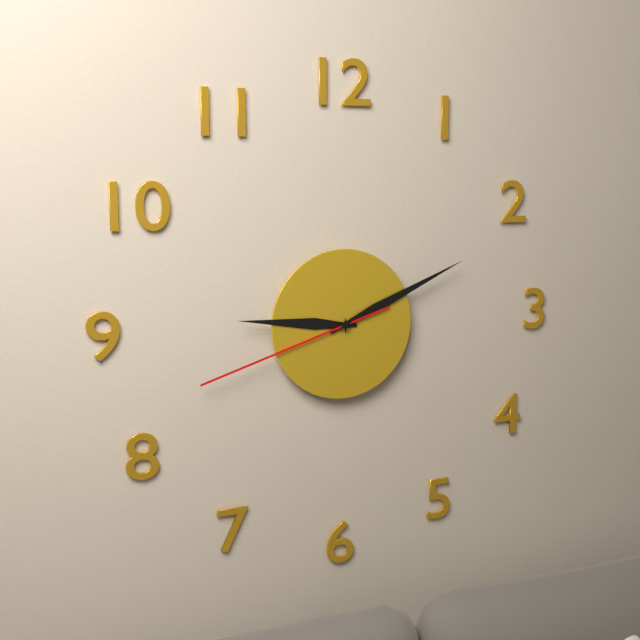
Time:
{"hour": 9, "minute": 11, "second": 42}
